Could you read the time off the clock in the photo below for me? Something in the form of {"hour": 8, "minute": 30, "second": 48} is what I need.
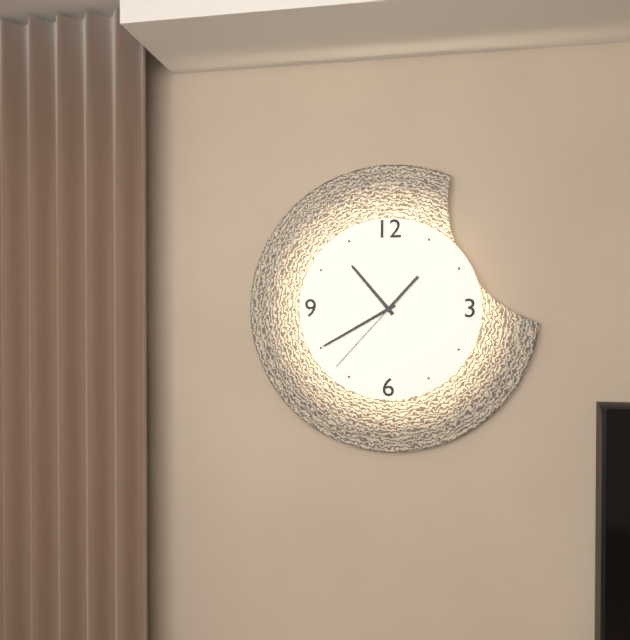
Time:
{"hour": 10, "minute": 40, "second": 37}
